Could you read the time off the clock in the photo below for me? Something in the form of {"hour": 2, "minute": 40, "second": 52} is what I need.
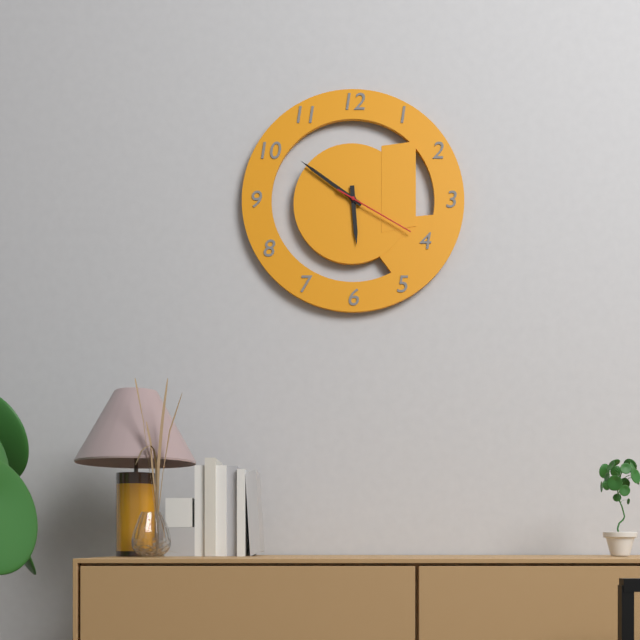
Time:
{"hour": 5, "minute": 51, "second": 20}
